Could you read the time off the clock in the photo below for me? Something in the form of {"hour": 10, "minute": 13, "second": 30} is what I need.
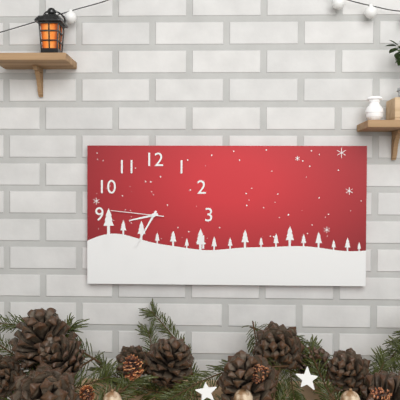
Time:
{"hour": 8, "minute": 35, "second": 46}
